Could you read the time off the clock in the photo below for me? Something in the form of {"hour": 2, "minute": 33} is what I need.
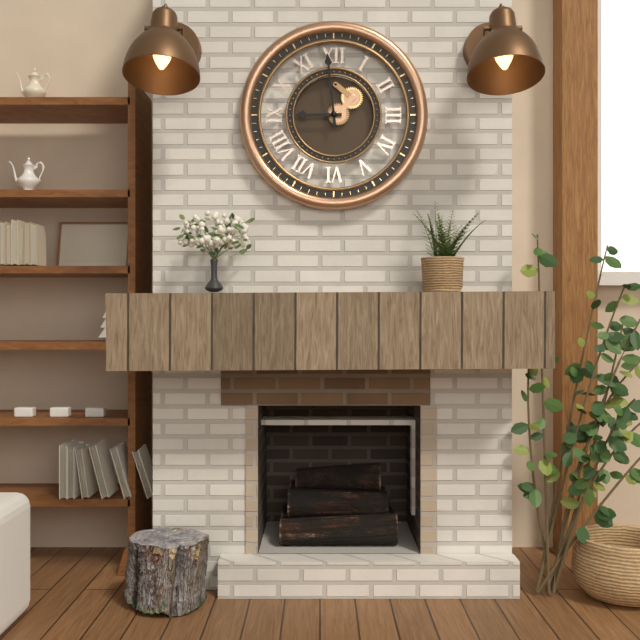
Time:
{"hour": 8, "minute": 59}
